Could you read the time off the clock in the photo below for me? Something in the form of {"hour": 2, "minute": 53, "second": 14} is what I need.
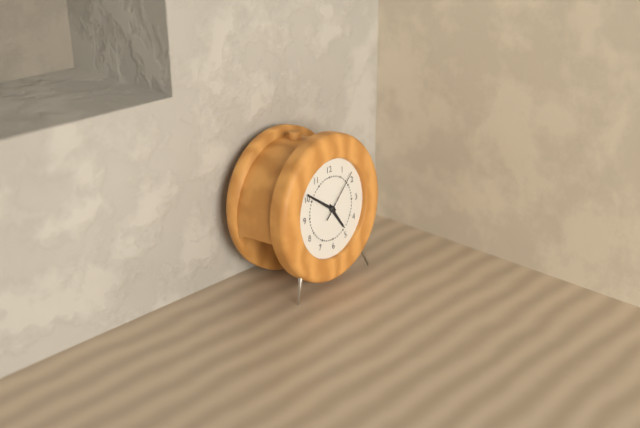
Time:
{"hour": 4, "minute": 51, "second": 8}
